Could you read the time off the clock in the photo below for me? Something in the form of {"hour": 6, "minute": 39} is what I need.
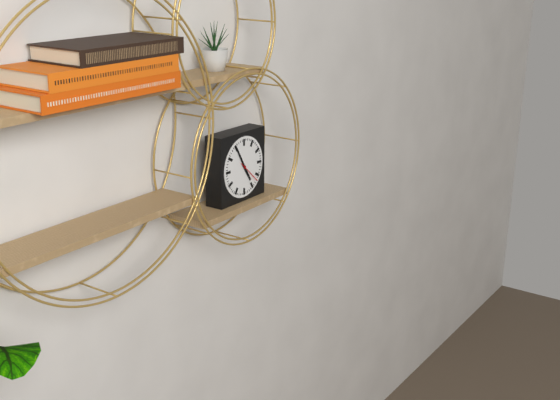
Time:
{"hour": 4, "minute": 55}
